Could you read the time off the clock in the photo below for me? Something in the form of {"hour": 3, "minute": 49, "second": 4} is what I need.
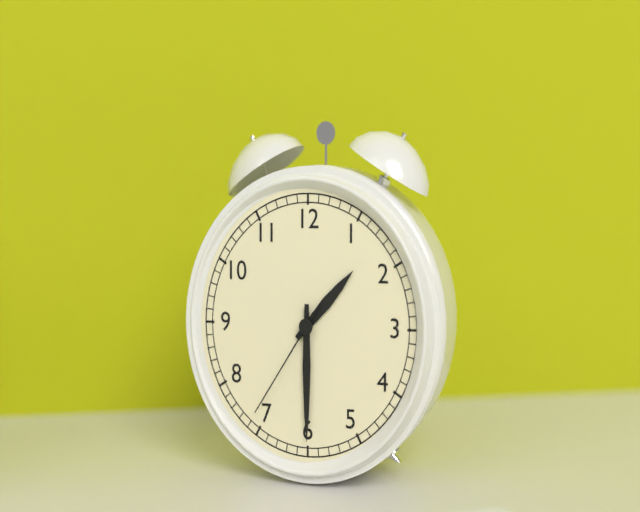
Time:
{"hour": 1, "minute": 30, "second": 36}
